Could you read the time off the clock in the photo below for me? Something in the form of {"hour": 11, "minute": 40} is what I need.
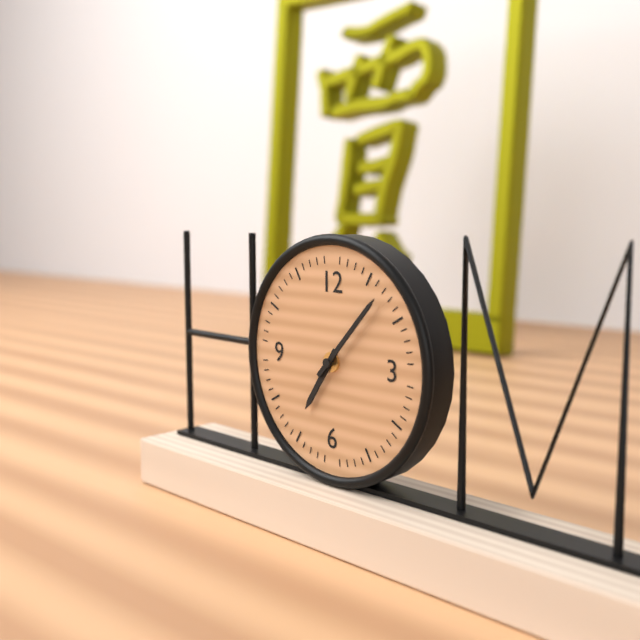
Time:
{"hour": 7, "minute": 7}
